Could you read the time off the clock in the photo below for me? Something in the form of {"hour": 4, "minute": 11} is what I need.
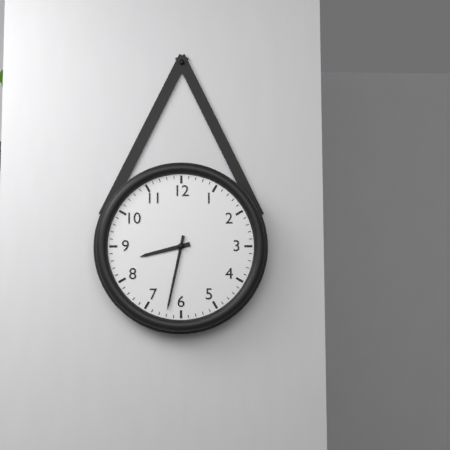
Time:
{"hour": 8, "minute": 32}
